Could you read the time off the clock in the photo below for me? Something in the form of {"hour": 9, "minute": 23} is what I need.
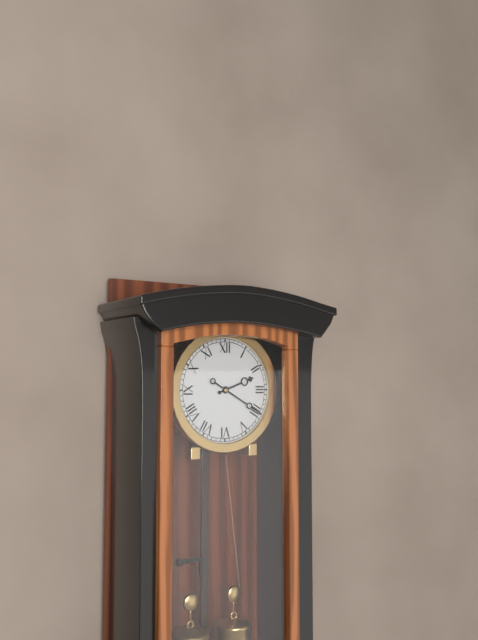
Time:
{"hour": 2, "minute": 20}
